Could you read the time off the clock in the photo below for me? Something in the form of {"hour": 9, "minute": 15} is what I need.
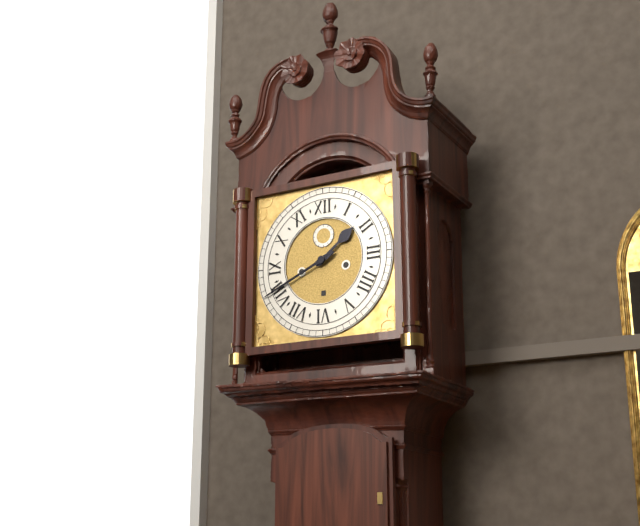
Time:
{"hour": 1, "minute": 41}
